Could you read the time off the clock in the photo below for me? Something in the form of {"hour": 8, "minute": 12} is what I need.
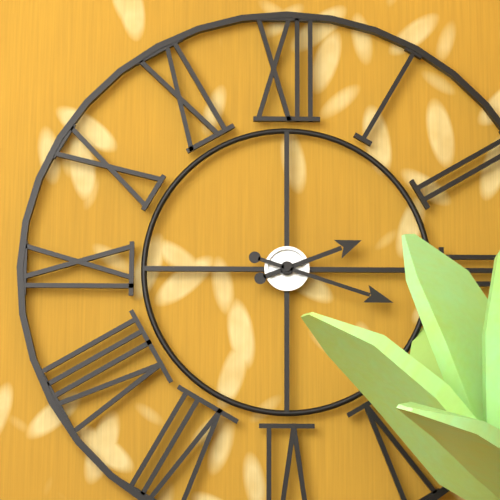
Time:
{"hour": 2, "minute": 18}
